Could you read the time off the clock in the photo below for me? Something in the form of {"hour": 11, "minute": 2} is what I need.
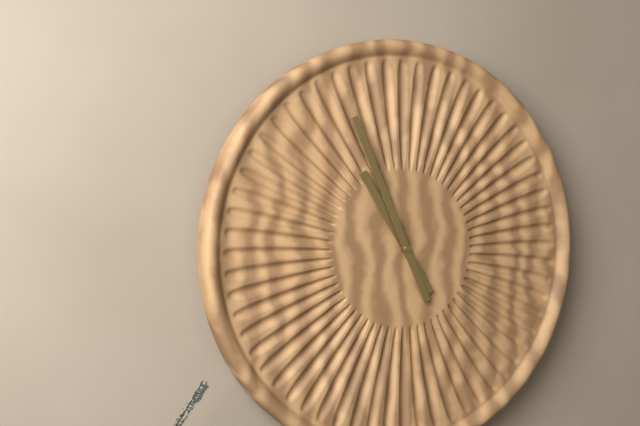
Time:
{"hour": 10, "minute": 56}
